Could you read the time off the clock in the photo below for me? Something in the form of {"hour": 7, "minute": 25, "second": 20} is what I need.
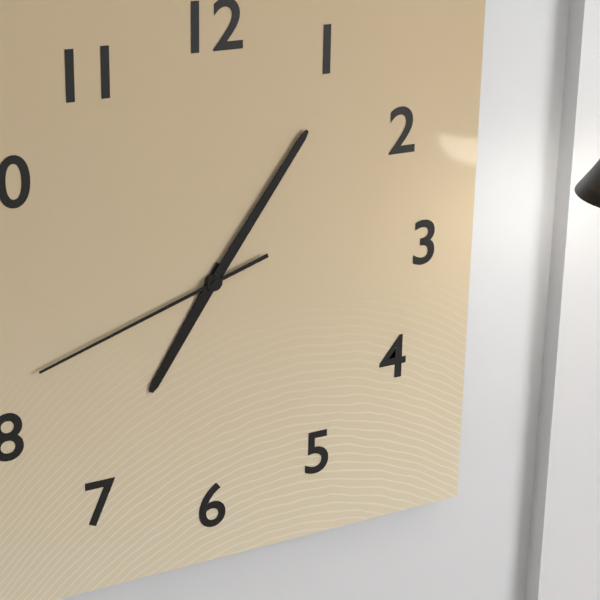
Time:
{"hour": 7, "minute": 6, "second": 42}
